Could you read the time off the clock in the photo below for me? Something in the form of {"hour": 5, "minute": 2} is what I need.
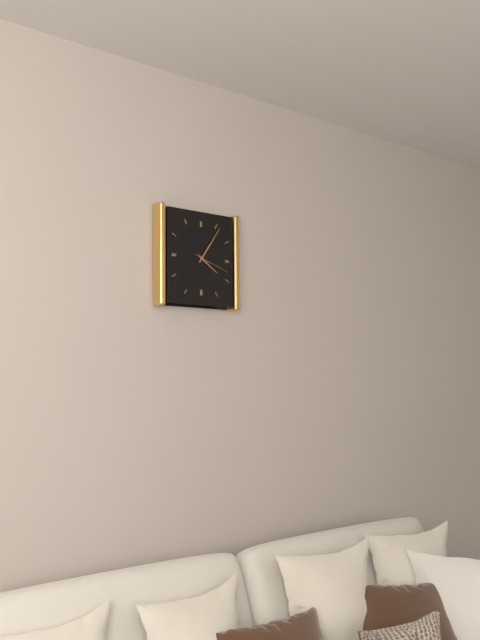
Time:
{"hour": 4, "minute": 6}
